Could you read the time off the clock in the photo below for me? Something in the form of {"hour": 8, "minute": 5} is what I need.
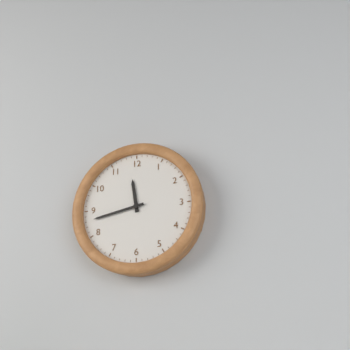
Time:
{"hour": 11, "minute": 43}
